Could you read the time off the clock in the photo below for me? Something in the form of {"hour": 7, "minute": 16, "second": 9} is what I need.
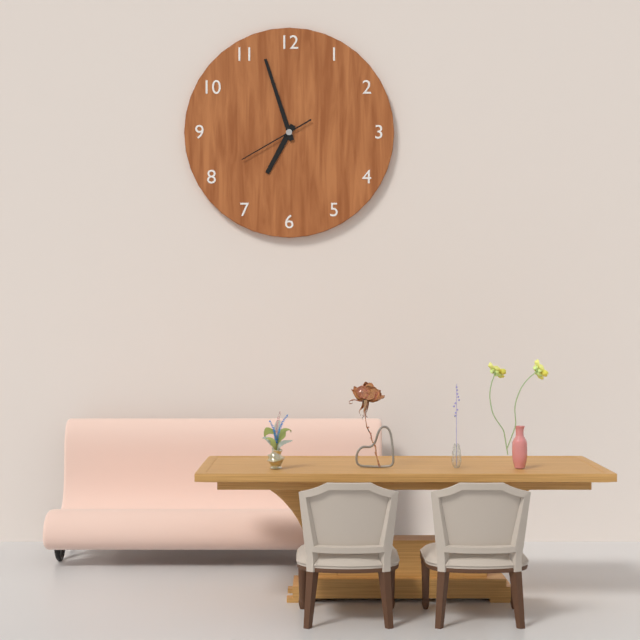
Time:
{"hour": 6, "minute": 57, "second": 40}
